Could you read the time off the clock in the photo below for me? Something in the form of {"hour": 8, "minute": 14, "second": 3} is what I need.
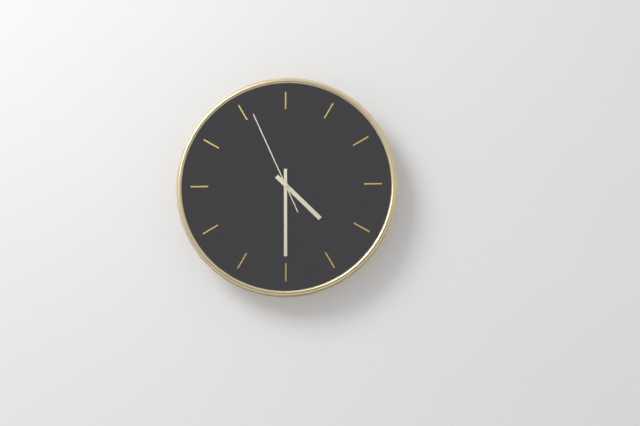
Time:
{"hour": 4, "minute": 30, "second": 56}
